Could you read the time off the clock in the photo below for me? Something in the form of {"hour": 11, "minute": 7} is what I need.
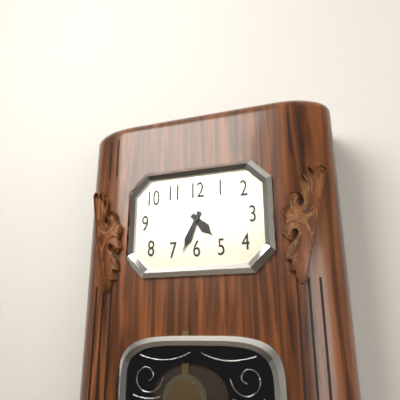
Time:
{"hour": 4, "minute": 34}
